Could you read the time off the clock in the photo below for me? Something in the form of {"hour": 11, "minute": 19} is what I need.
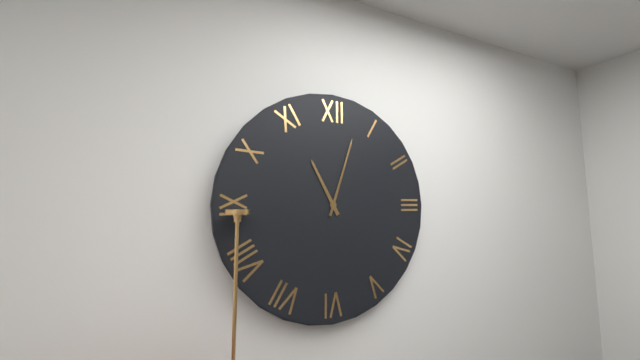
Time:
{"hour": 11, "minute": 3}
